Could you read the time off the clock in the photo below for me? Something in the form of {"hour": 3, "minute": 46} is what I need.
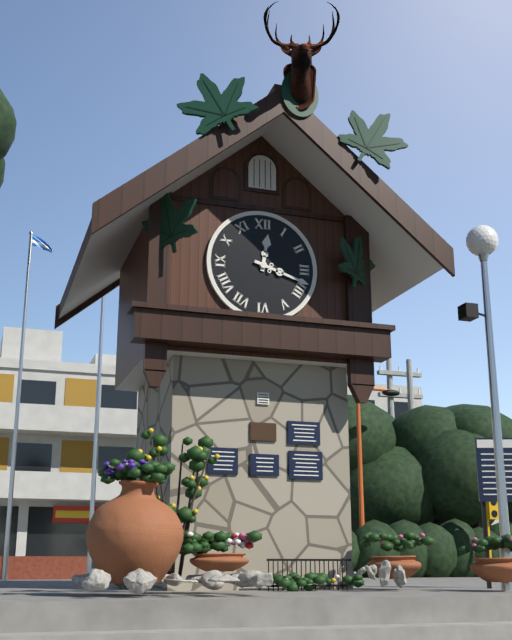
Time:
{"hour": 12, "minute": 18}
